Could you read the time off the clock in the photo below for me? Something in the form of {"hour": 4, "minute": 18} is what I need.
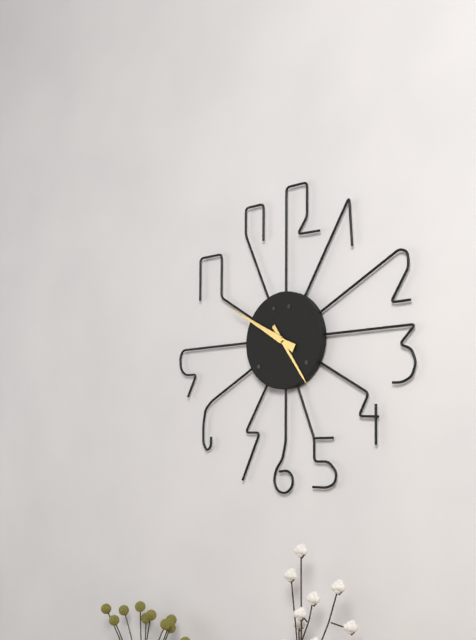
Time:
{"hour": 4, "minute": 50}
